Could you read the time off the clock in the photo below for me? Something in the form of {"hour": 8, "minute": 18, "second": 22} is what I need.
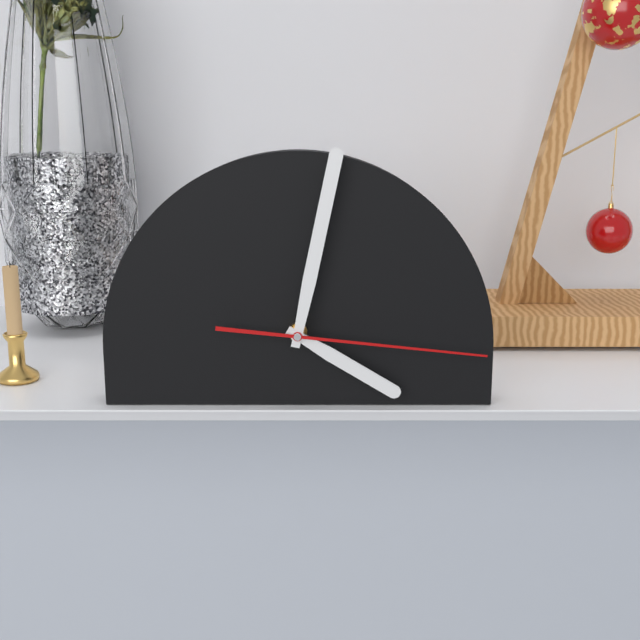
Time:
{"hour": 4, "minute": 2, "second": 16}
